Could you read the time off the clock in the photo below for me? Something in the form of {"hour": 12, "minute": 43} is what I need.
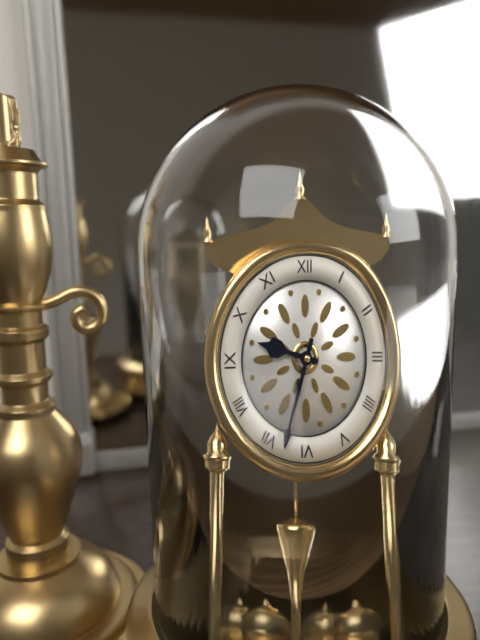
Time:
{"hour": 9, "minute": 33}
